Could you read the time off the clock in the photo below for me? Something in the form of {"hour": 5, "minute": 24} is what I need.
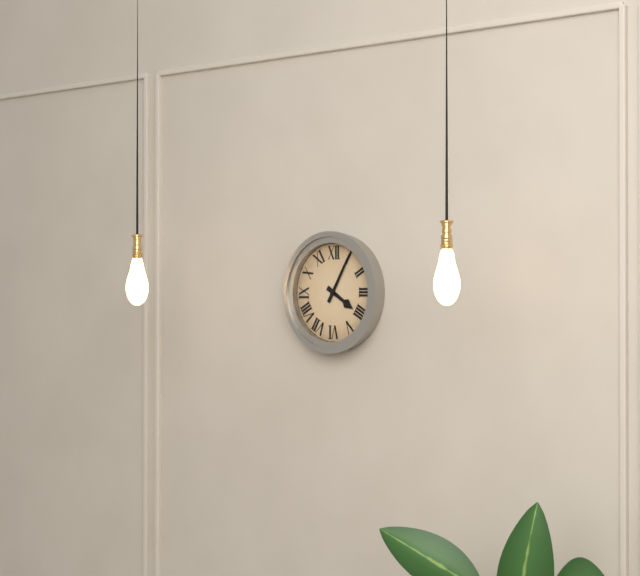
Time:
{"hour": 4, "minute": 5}
